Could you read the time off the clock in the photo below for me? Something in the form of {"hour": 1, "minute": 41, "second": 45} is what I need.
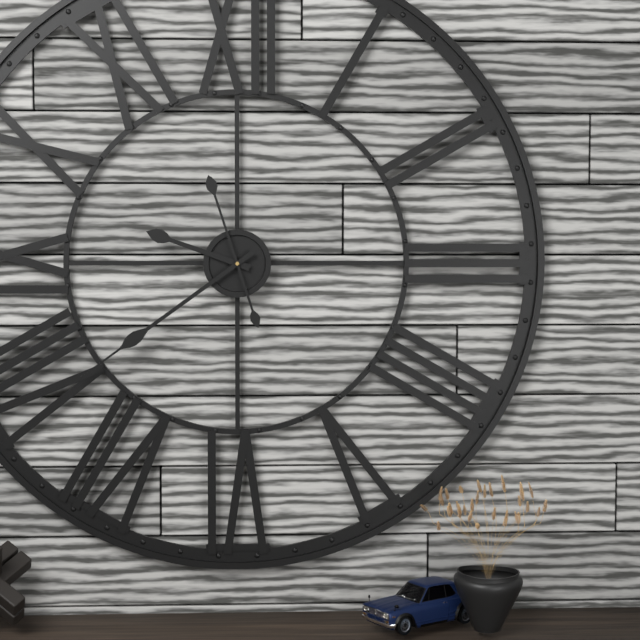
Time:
{"hour": 9, "minute": 39, "second": 57}
